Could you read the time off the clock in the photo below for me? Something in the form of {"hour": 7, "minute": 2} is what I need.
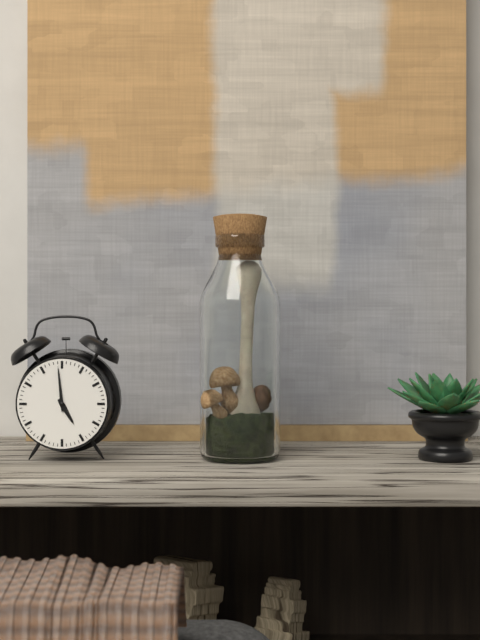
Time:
{"hour": 4, "minute": 59}
